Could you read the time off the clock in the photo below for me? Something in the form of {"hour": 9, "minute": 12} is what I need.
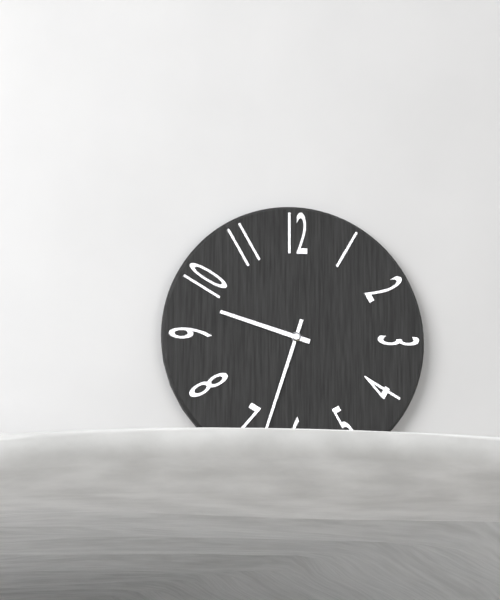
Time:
{"hour": 9, "minute": 33}
